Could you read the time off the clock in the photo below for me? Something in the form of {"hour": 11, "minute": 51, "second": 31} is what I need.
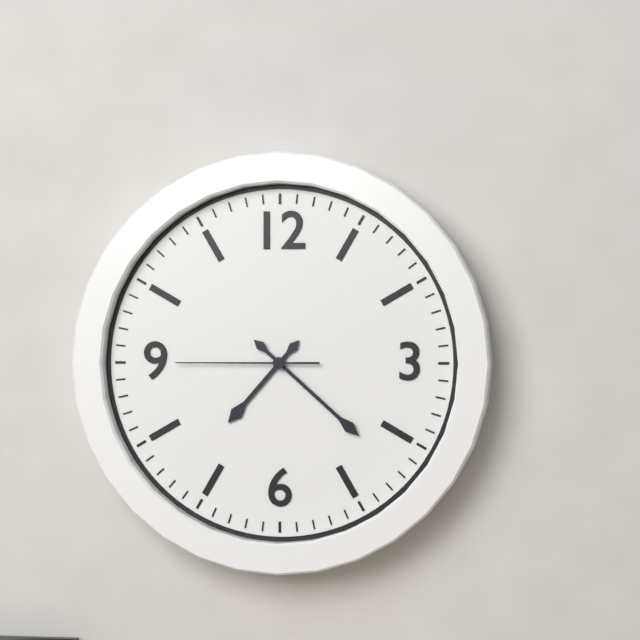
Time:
{"hour": 7, "minute": 22, "second": 45}
